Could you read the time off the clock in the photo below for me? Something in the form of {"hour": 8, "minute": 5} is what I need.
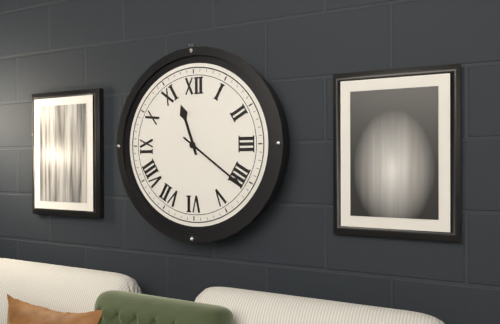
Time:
{"hour": 11, "minute": 21}
